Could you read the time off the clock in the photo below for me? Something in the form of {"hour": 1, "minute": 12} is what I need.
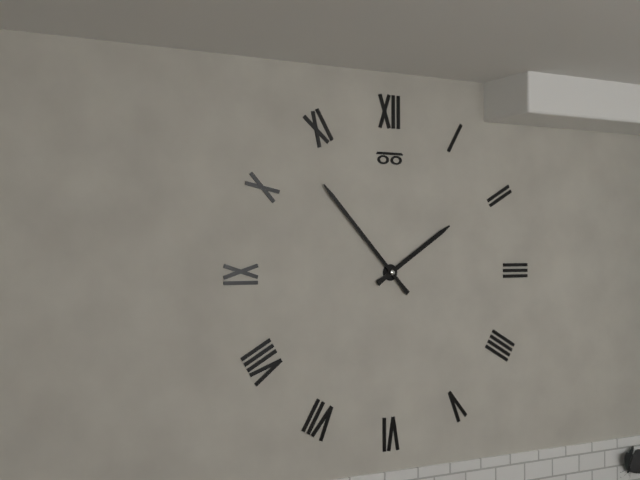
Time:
{"hour": 1, "minute": 53}
